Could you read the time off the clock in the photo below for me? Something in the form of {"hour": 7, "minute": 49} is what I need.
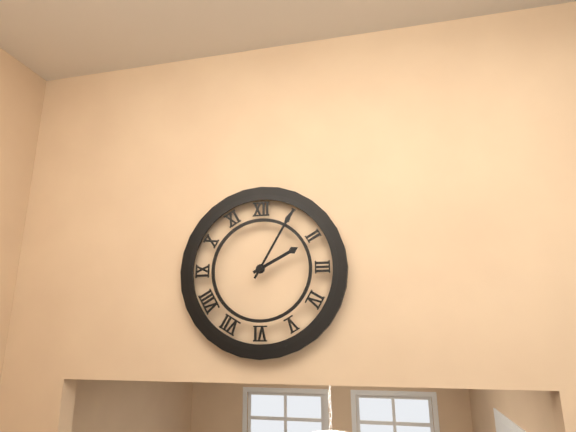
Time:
{"hour": 2, "minute": 5}
